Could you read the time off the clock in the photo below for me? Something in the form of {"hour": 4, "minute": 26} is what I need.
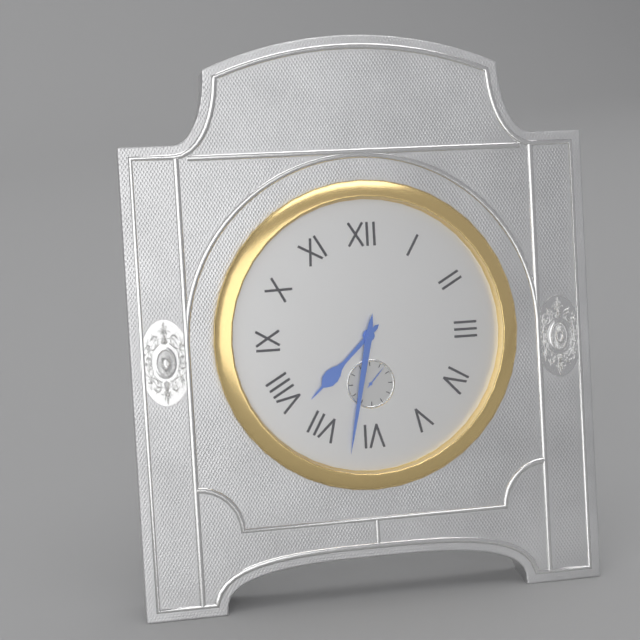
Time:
{"hour": 7, "minute": 32}
